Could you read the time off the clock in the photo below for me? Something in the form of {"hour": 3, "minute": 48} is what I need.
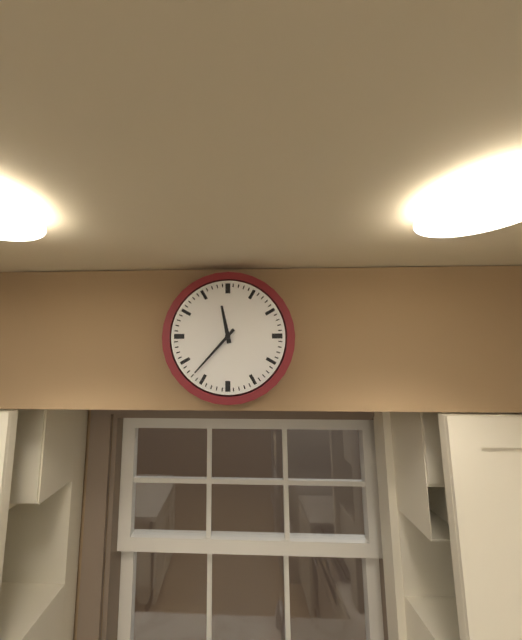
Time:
{"hour": 11, "minute": 37}
